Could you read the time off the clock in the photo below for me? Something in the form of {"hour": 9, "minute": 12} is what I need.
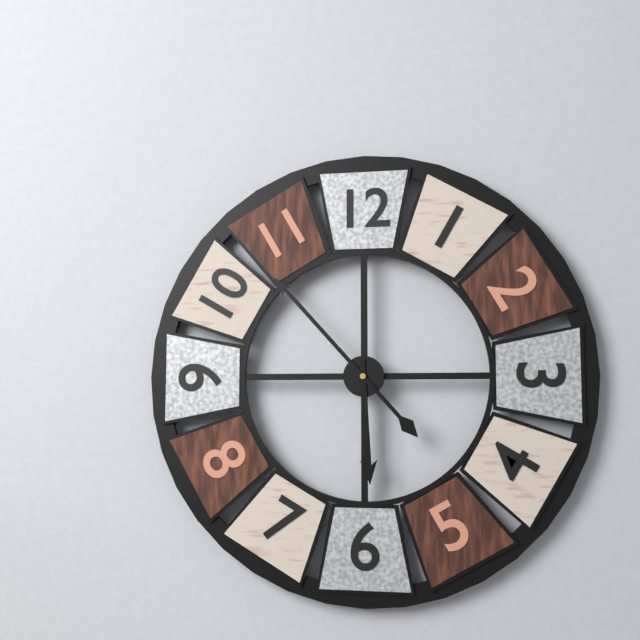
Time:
{"hour": 5, "minute": 53}
